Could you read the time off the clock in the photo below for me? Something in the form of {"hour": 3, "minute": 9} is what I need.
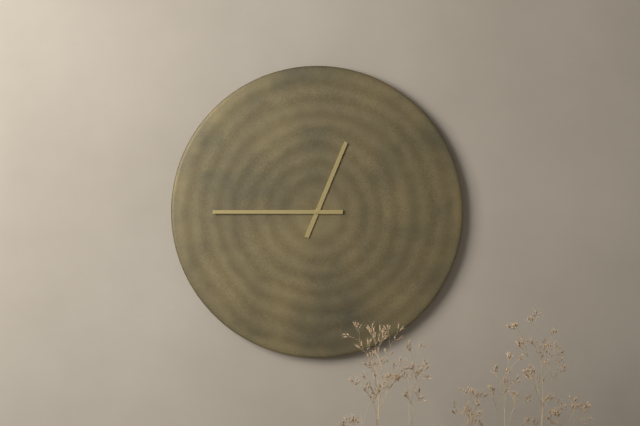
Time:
{"hour": 12, "minute": 45}
